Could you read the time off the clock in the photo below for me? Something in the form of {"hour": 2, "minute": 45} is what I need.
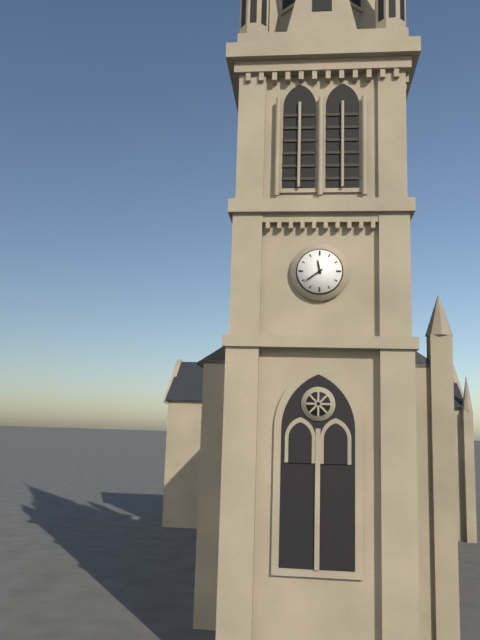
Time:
{"hour": 11, "minute": 39}
